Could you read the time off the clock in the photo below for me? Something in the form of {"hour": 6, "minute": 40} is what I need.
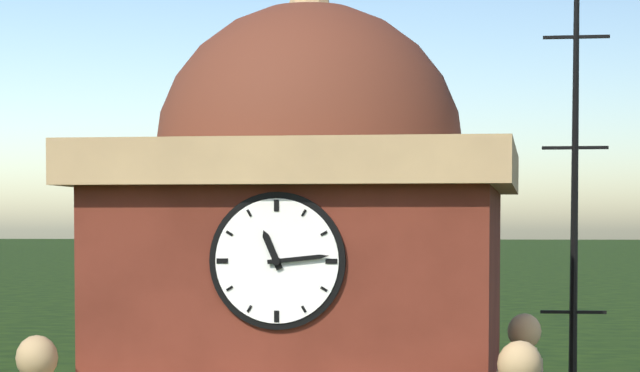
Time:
{"hour": 11, "minute": 14}
